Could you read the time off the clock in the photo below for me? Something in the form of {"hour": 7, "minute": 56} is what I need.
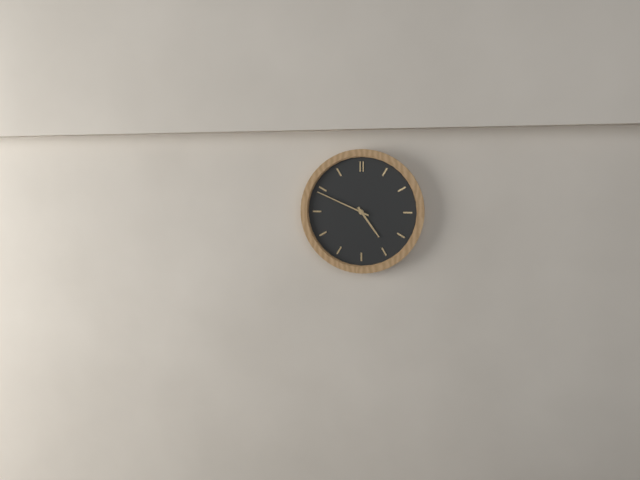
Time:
{"hour": 4, "minute": 49}
